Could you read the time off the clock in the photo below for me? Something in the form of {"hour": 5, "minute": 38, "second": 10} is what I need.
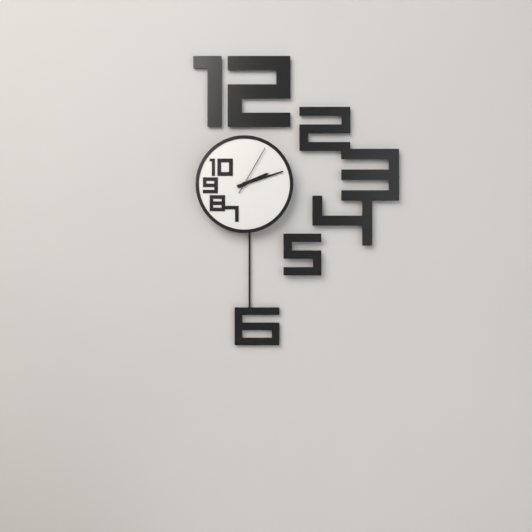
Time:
{"hour": 2, "minute": 12, "second": 5}
